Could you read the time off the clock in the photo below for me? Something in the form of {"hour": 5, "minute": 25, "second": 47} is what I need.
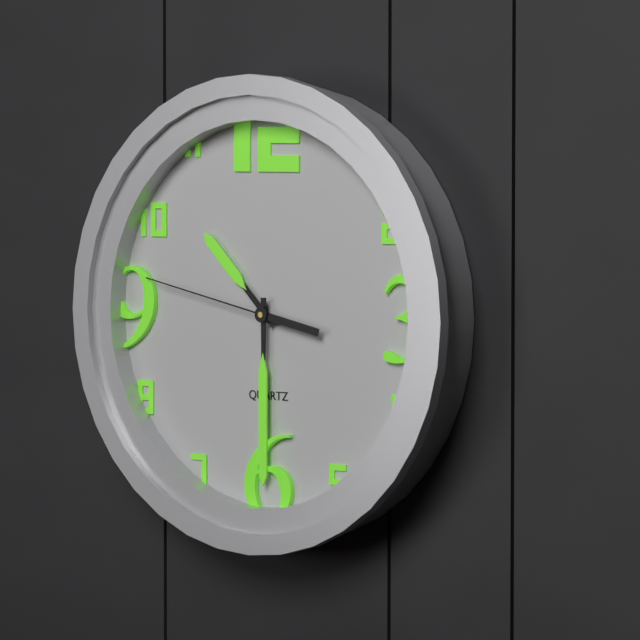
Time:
{"hour": 10, "minute": 30, "second": 47}
